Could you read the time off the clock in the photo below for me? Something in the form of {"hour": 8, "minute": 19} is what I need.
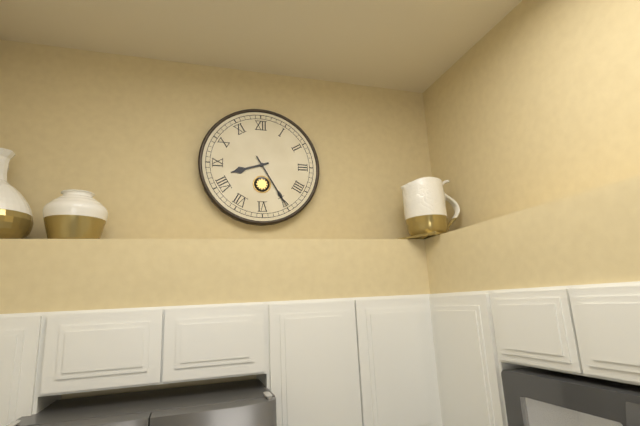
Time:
{"hour": 8, "minute": 25}
